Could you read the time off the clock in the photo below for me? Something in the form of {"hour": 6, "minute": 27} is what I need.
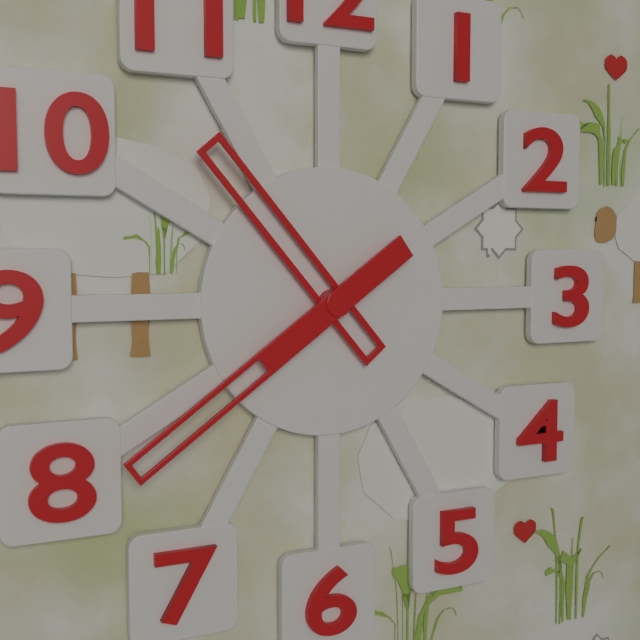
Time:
{"hour": 10, "minute": 39}
